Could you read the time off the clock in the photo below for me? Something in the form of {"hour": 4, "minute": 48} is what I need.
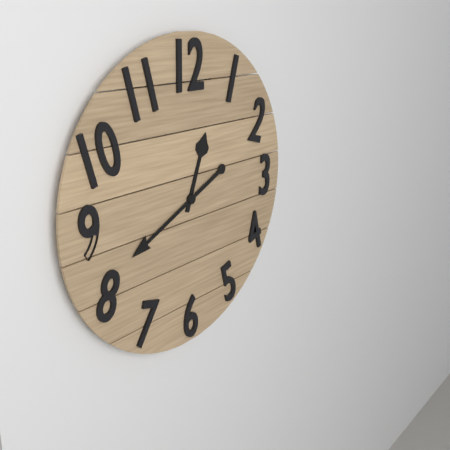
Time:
{"hour": 12, "minute": 41}
